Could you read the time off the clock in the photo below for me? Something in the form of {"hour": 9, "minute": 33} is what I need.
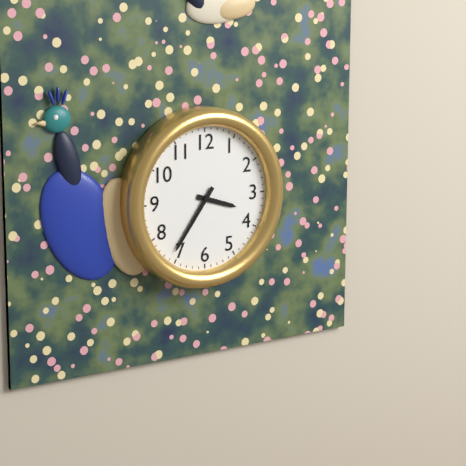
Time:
{"hour": 3, "minute": 36}
